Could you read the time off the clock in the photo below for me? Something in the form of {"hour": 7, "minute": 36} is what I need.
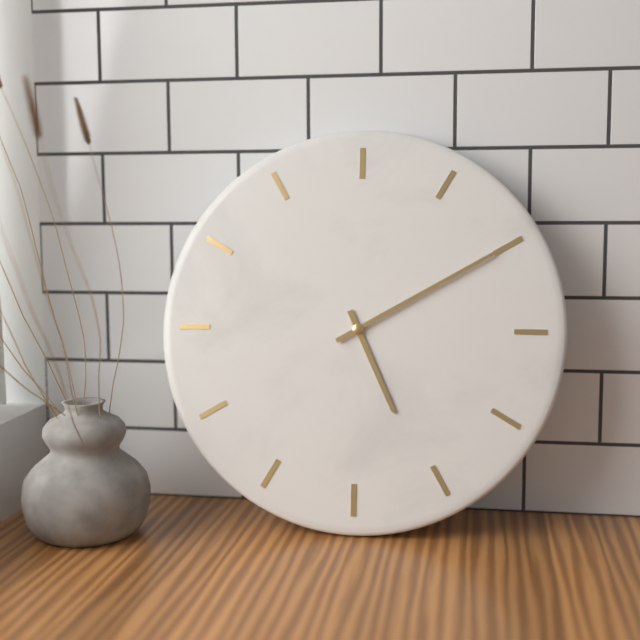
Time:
{"hour": 5, "minute": 10}
